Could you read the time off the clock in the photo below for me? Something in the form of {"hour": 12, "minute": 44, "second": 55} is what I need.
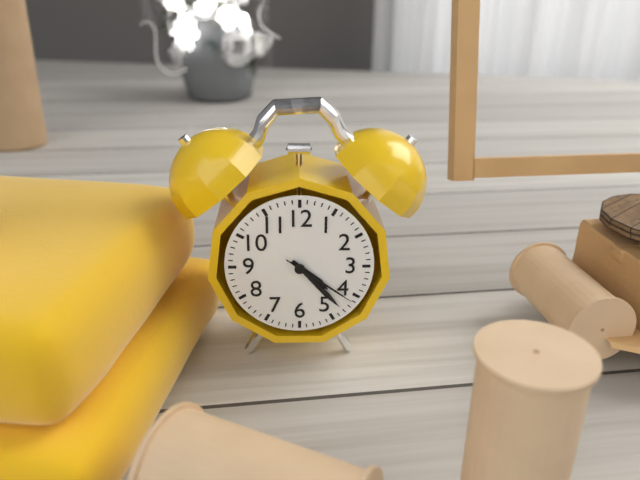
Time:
{"hour": 4, "minute": 23, "second": 21}
